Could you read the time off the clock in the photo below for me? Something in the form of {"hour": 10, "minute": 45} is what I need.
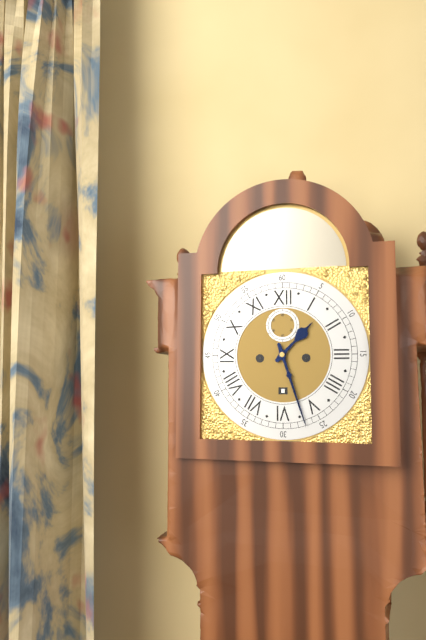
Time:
{"hour": 1, "minute": 27}
